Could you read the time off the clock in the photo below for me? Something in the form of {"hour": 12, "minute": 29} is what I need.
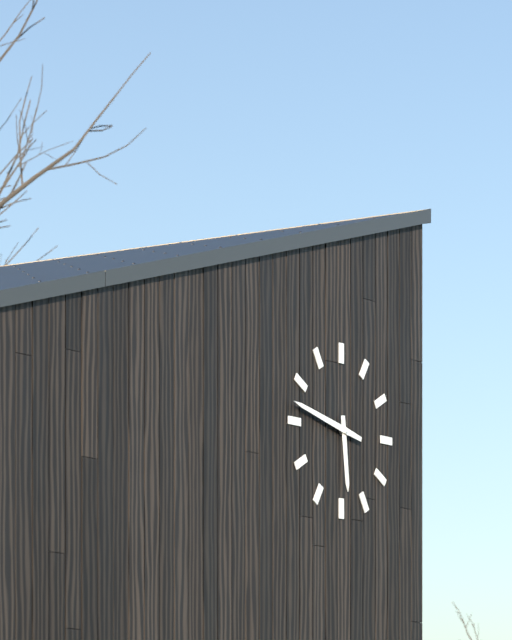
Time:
{"hour": 5, "minute": 47}
